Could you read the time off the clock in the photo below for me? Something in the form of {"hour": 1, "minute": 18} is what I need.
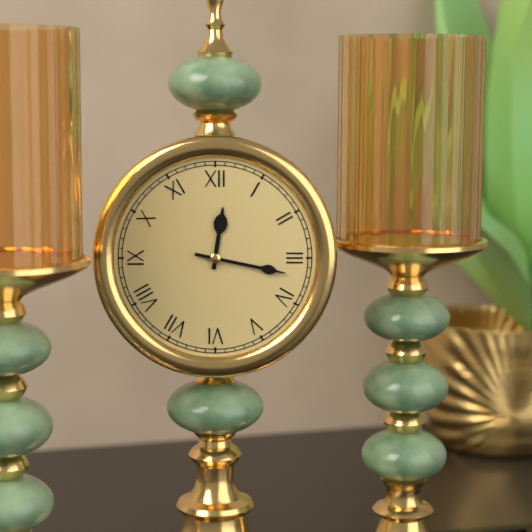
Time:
{"hour": 12, "minute": 17}
